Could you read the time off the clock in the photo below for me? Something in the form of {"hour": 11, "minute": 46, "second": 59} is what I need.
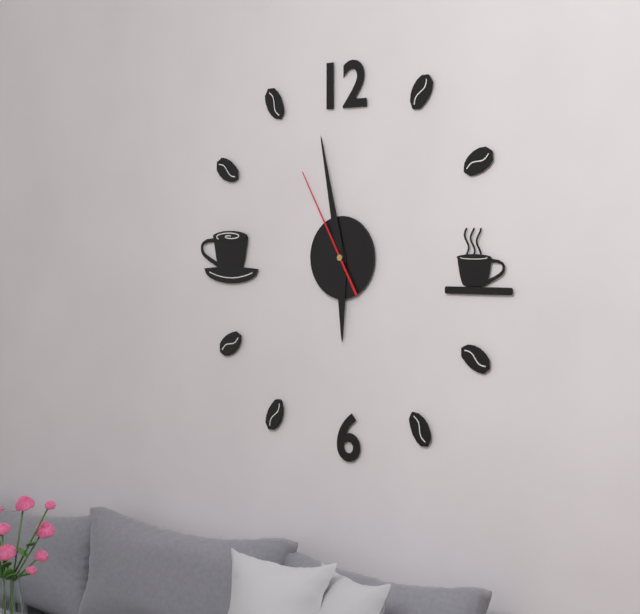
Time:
{"hour": 5, "minute": 58, "second": 55}
